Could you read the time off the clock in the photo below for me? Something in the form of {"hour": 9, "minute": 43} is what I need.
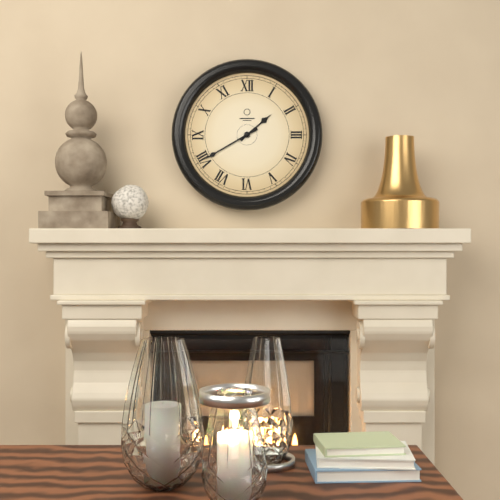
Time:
{"hour": 1, "minute": 40}
